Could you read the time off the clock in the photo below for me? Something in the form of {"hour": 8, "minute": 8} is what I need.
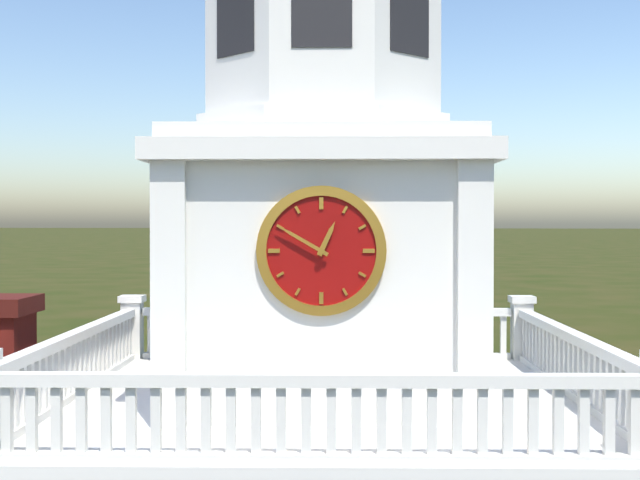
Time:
{"hour": 12, "minute": 50}
